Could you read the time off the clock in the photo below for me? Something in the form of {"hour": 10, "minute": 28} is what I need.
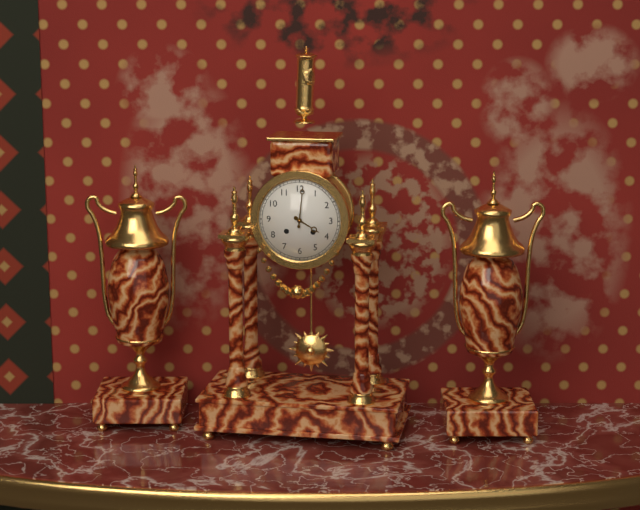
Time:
{"hour": 4, "minute": 1}
